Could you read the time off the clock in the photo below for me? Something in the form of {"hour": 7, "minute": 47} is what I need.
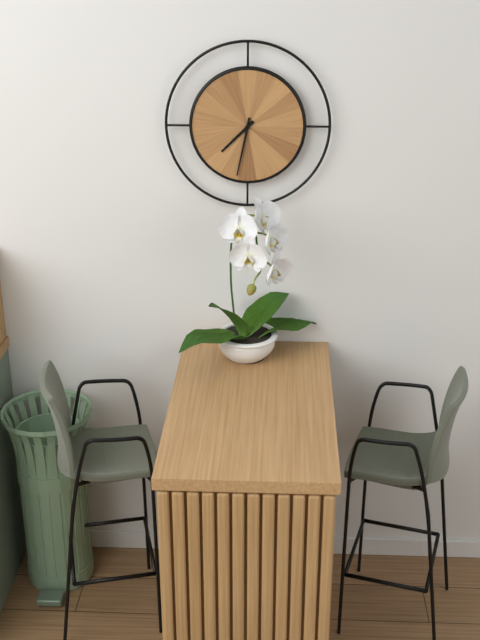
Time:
{"hour": 7, "minute": 32}
